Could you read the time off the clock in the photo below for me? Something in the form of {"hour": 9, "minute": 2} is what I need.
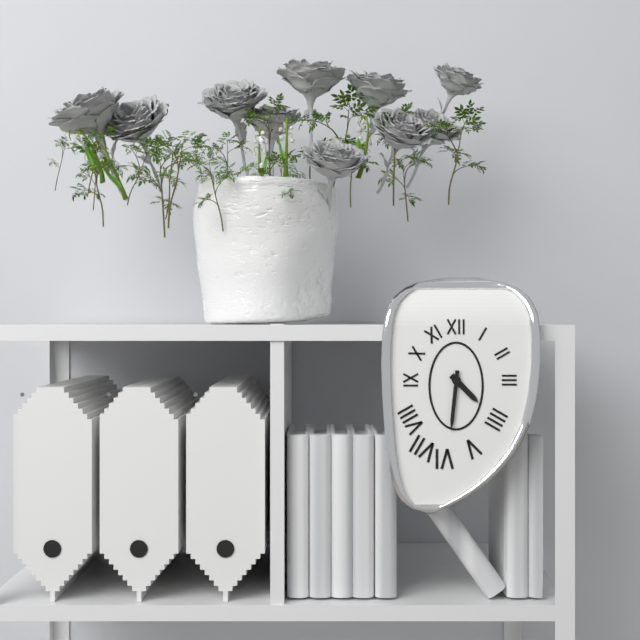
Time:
{"hour": 4, "minute": 31}
